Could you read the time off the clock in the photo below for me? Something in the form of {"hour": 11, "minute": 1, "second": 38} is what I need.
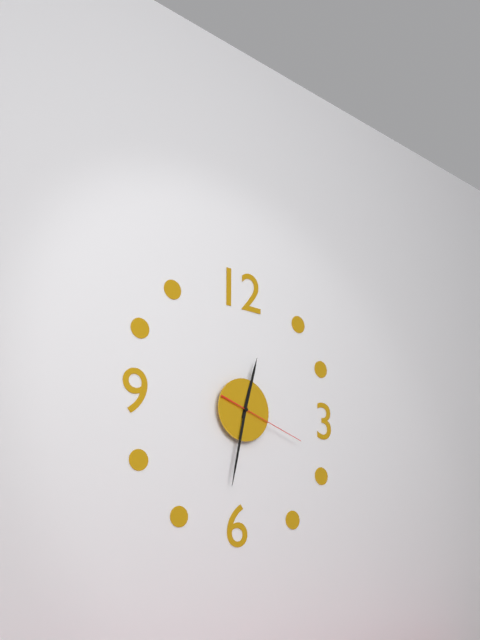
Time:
{"hour": 12, "minute": 32, "second": 18}
